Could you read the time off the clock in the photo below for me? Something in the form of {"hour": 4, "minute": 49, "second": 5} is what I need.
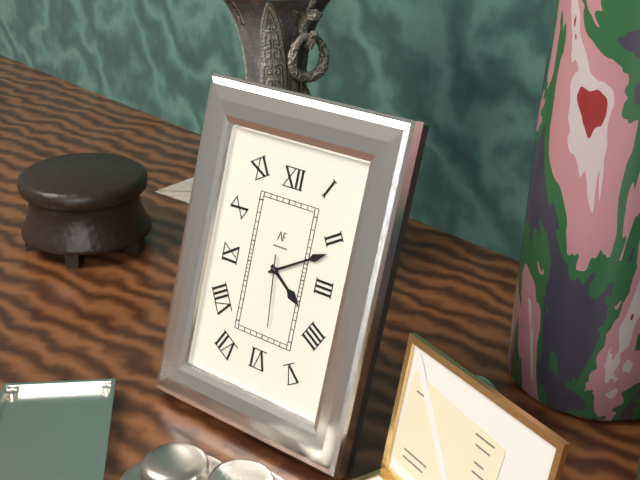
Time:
{"hour": 4, "minute": 10, "second": 29}
